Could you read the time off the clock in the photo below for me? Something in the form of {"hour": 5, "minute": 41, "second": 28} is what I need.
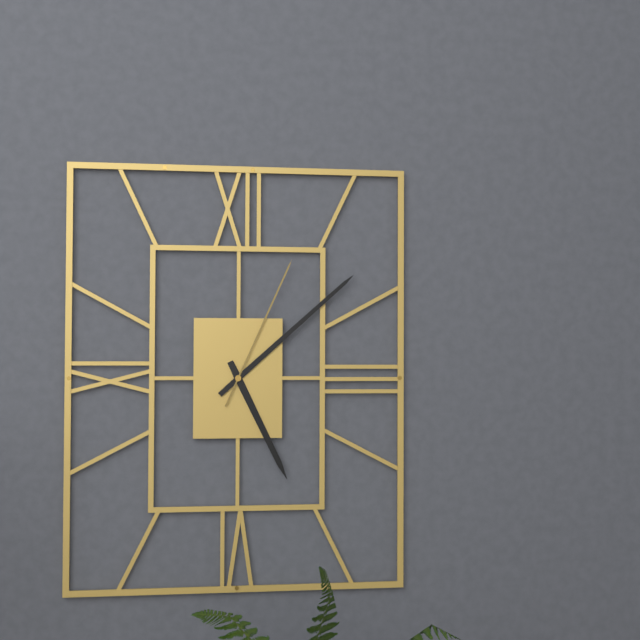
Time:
{"hour": 5, "minute": 8, "second": 4}
